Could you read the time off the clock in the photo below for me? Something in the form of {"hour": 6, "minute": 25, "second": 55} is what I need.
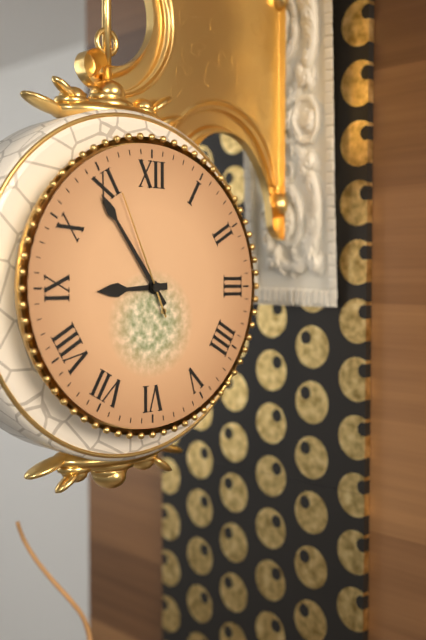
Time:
{"hour": 8, "minute": 54, "second": 56}
